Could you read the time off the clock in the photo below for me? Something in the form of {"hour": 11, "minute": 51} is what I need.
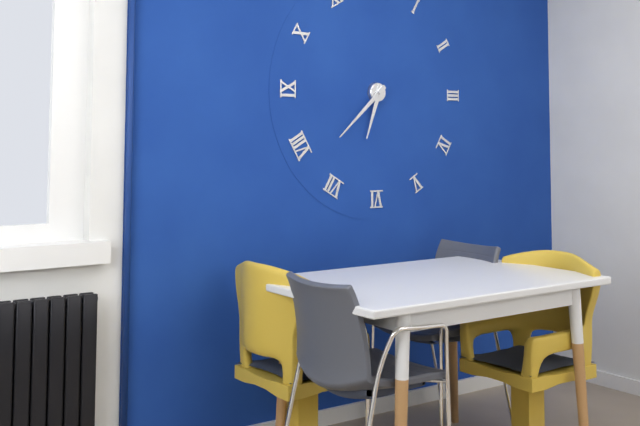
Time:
{"hour": 6, "minute": 38}
